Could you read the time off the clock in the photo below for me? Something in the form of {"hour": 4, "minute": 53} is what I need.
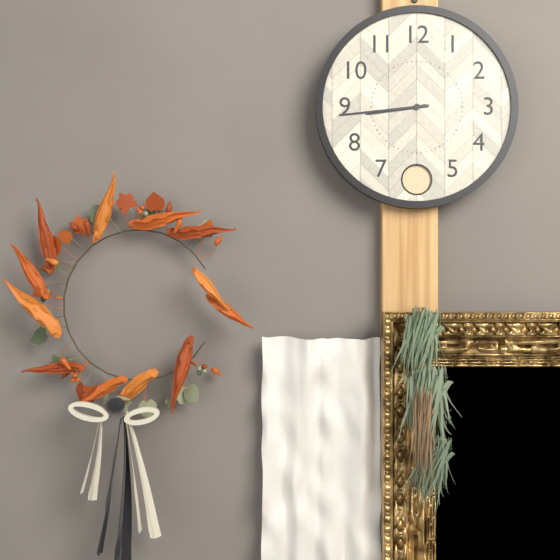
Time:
{"hour": 8, "minute": 44}
